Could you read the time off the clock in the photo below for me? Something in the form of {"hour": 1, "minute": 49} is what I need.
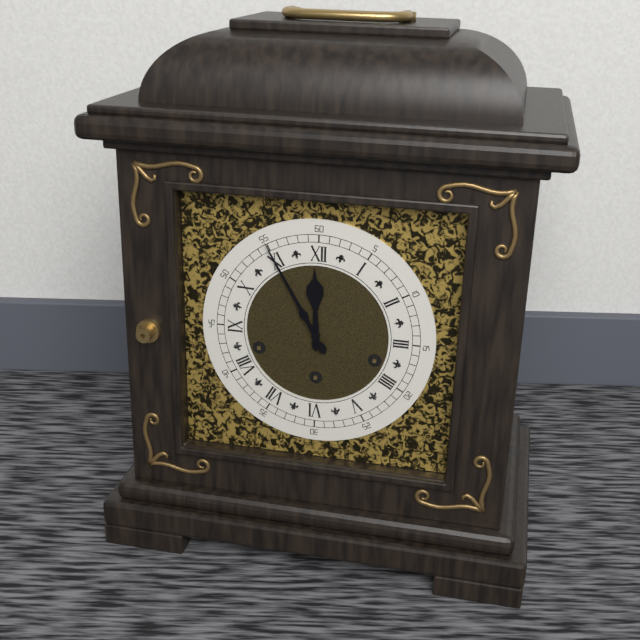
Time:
{"hour": 11, "minute": 55}
